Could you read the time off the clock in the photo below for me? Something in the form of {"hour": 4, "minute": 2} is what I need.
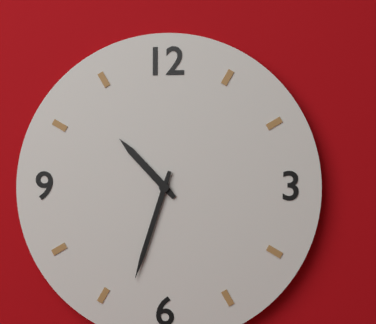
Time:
{"hour": 10, "minute": 33}
